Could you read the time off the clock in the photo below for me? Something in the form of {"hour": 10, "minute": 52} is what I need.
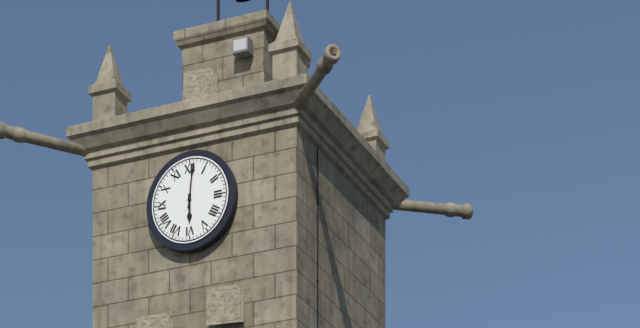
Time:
{"hour": 6, "minute": 1}
